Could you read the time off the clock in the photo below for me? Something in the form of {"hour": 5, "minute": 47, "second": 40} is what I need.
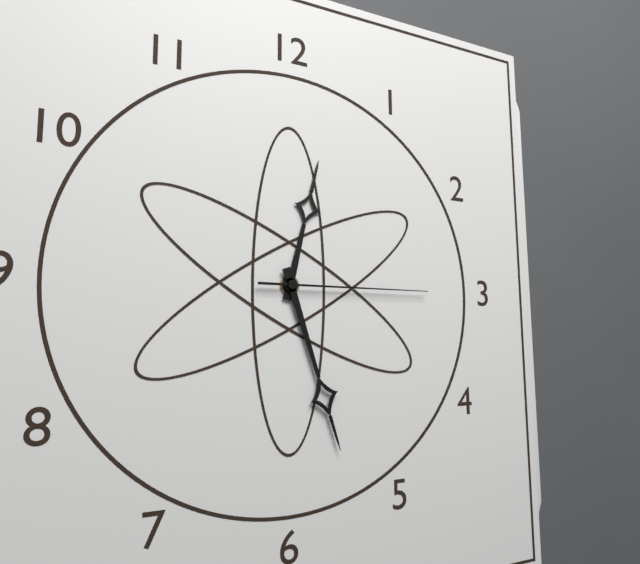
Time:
{"hour": 12, "minute": 27, "second": 15}
